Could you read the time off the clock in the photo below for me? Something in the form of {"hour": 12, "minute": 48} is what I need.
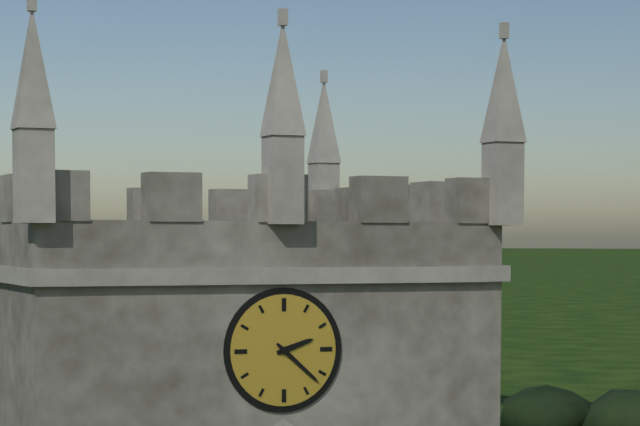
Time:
{"hour": 2, "minute": 22}
